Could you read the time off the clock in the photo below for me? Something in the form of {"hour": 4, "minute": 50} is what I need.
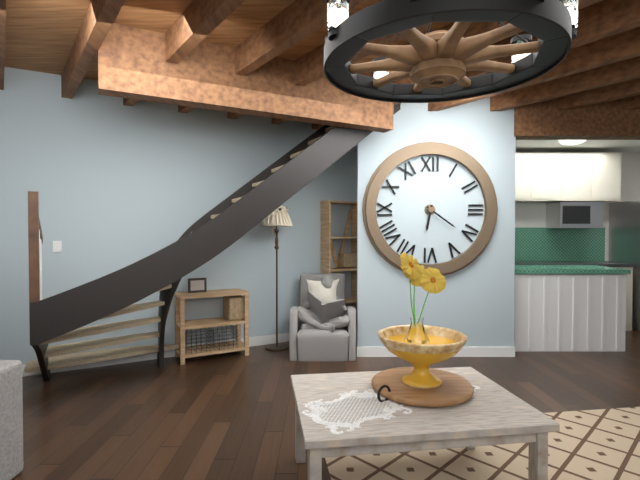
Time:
{"hour": 6, "minute": 21}
